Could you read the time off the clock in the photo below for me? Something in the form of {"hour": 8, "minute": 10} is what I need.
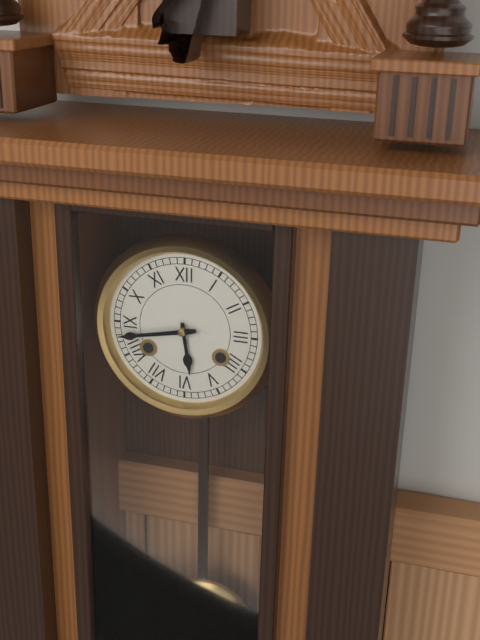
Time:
{"hour": 5, "minute": 43}
